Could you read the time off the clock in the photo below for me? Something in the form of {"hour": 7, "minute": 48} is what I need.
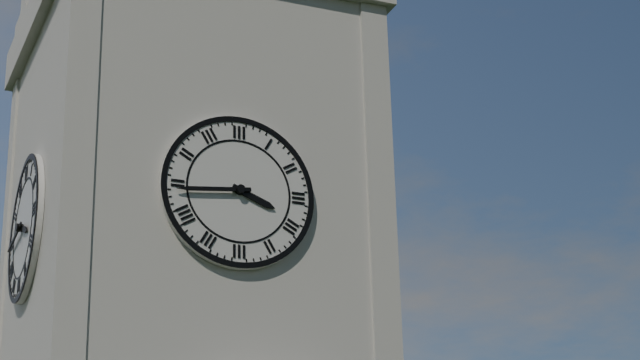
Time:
{"hour": 3, "minute": 44}
